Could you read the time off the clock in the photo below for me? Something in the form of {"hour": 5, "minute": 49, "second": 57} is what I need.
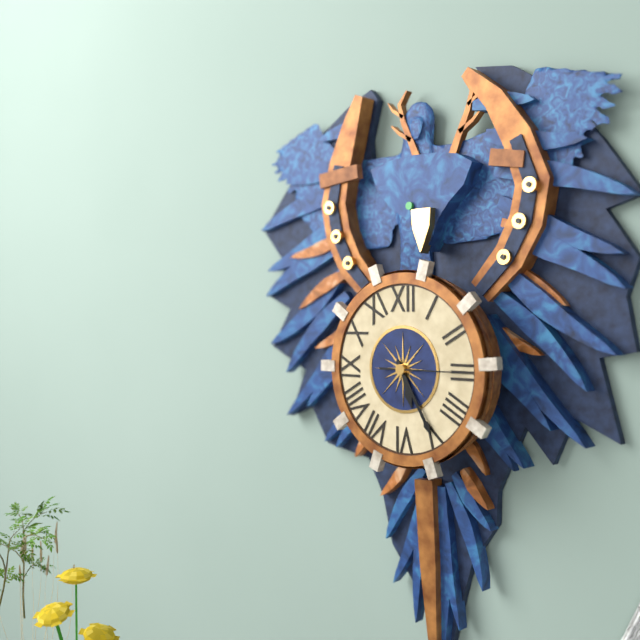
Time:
{"hour": 5, "minute": 25, "second": 15}
